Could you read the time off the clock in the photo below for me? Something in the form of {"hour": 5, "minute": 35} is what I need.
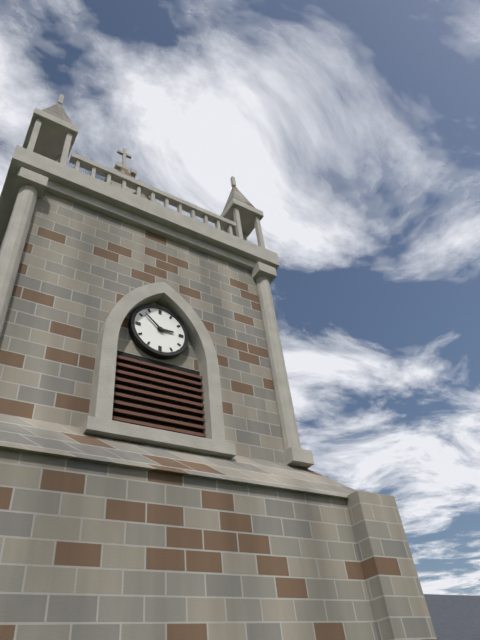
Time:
{"hour": 2, "minute": 52}
